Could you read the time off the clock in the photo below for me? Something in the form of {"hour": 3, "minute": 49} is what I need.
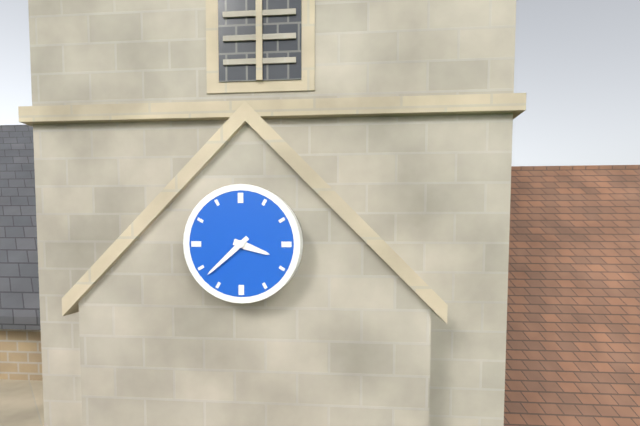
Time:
{"hour": 3, "minute": 38}
